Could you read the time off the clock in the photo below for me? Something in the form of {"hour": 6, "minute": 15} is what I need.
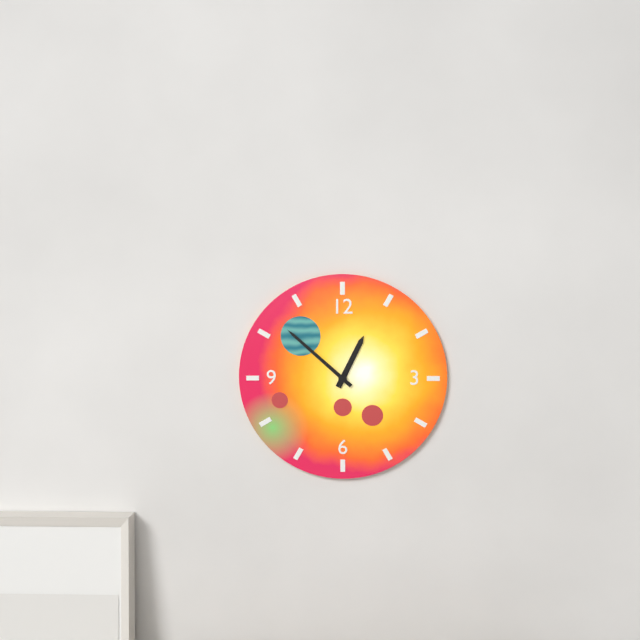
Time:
{"hour": 12, "minute": 52}
